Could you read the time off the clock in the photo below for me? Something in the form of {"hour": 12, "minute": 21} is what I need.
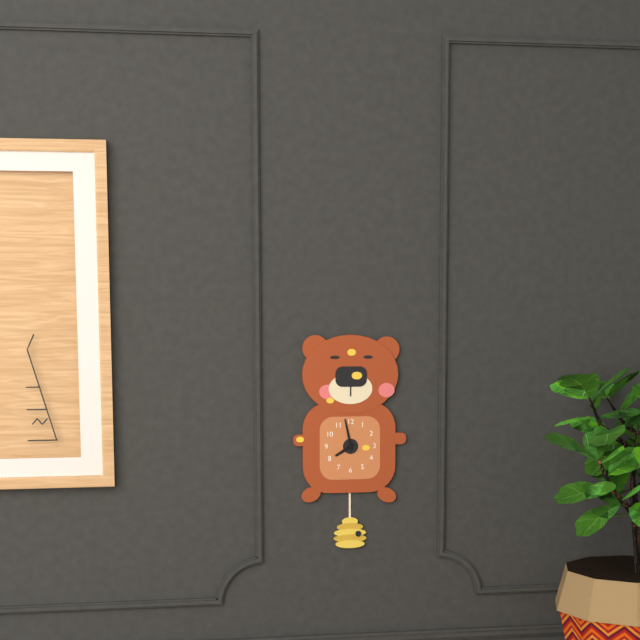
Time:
{"hour": 7, "minute": 58}
